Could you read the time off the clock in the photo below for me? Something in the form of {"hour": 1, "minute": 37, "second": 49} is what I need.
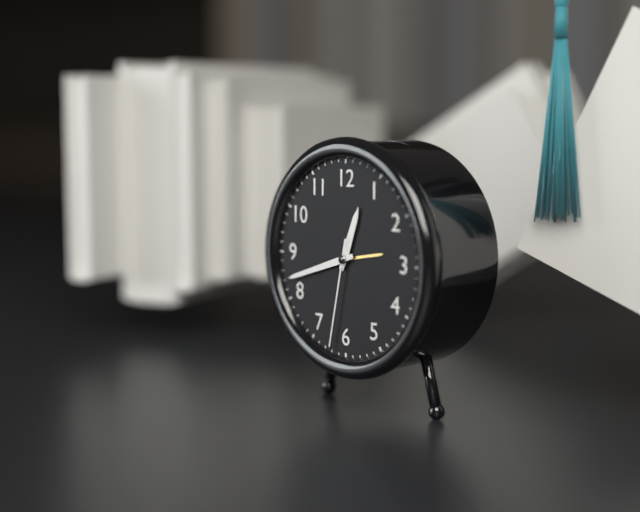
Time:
{"hour": 12, "minute": 42, "second": 32}
